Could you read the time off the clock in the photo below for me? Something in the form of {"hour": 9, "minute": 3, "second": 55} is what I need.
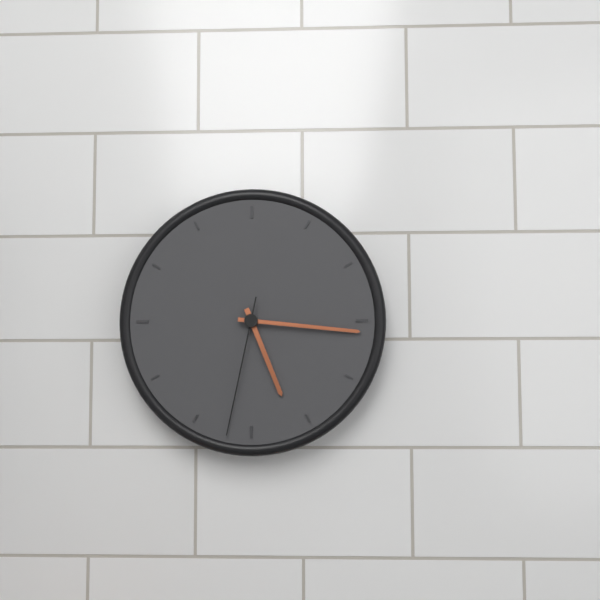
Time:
{"hour": 5, "minute": 16, "second": 32}
